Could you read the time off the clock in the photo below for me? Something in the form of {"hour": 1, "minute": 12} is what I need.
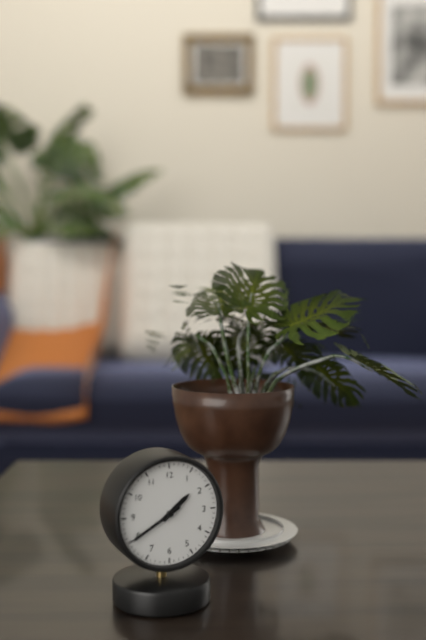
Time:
{"hour": 1, "minute": 40}
